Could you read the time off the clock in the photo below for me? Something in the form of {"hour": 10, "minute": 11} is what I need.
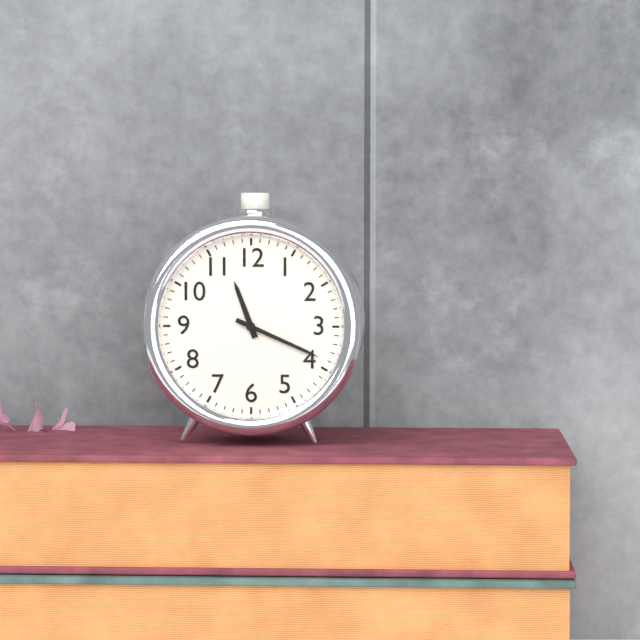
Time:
{"hour": 11, "minute": 19}
